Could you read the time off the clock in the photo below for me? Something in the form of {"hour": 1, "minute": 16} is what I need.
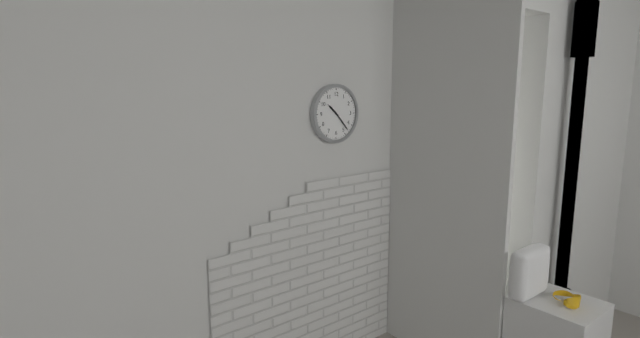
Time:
{"hour": 10, "minute": 23}
